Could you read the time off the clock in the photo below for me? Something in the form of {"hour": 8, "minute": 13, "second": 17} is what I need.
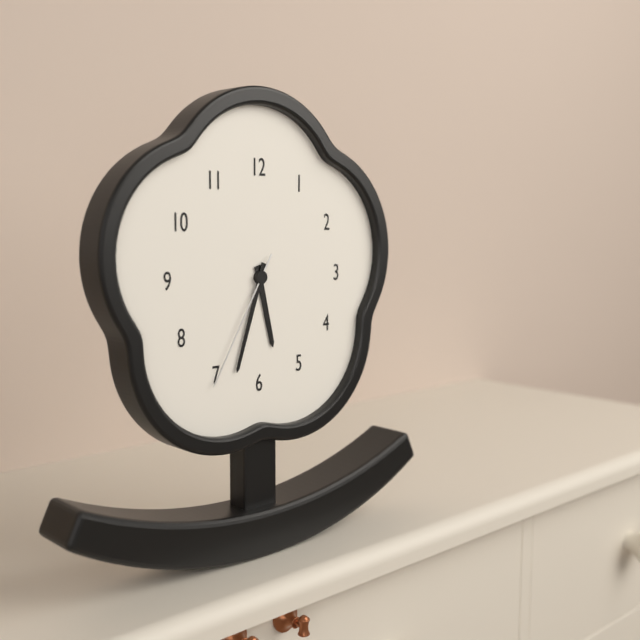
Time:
{"hour": 5, "minute": 33, "second": 35}
